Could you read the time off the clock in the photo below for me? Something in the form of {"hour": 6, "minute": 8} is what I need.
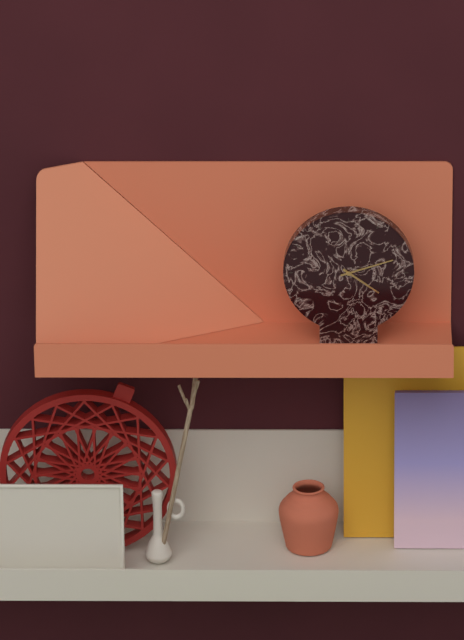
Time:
{"hour": 4, "minute": 12}
